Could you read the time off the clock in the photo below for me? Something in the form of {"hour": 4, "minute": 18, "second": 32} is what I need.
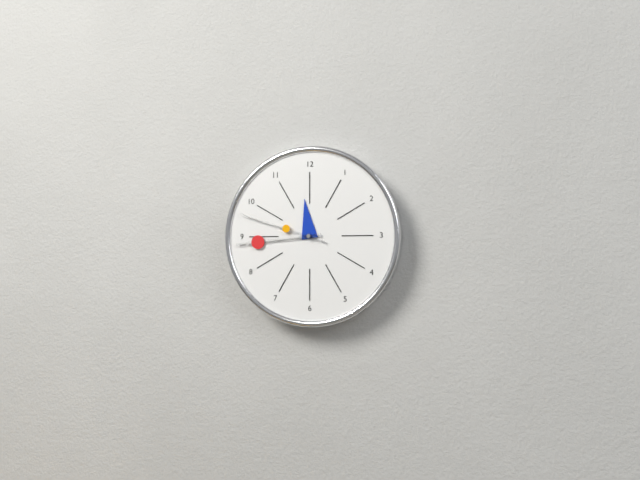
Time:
{"hour": 11, "minute": 44, "second": 48}
